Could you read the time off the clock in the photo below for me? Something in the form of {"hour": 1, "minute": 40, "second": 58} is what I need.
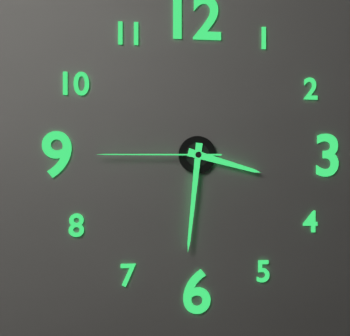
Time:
{"hour": 3, "minute": 31, "second": 45}
